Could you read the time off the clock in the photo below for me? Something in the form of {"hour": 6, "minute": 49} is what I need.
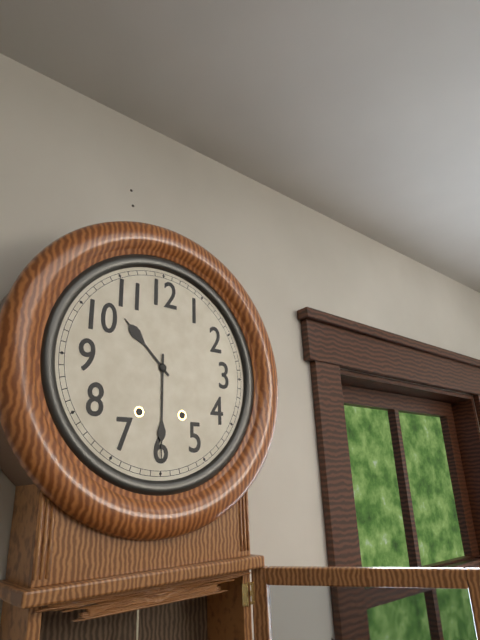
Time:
{"hour": 10, "minute": 30}
